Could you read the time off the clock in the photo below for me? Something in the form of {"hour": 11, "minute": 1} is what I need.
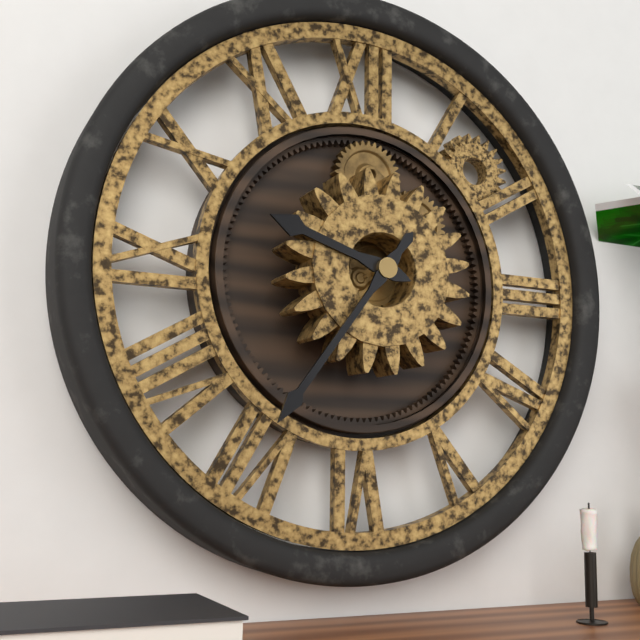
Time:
{"hour": 9, "minute": 36}
